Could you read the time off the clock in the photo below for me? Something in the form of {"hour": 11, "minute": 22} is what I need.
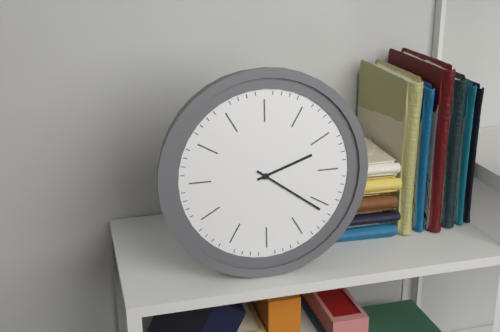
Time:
{"hour": 2, "minute": 21}
